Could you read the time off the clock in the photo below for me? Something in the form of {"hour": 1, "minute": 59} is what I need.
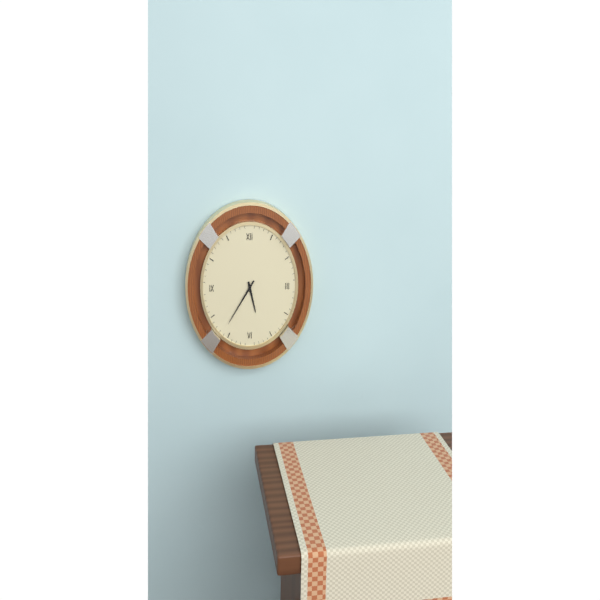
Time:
{"hour": 5, "minute": 35}
